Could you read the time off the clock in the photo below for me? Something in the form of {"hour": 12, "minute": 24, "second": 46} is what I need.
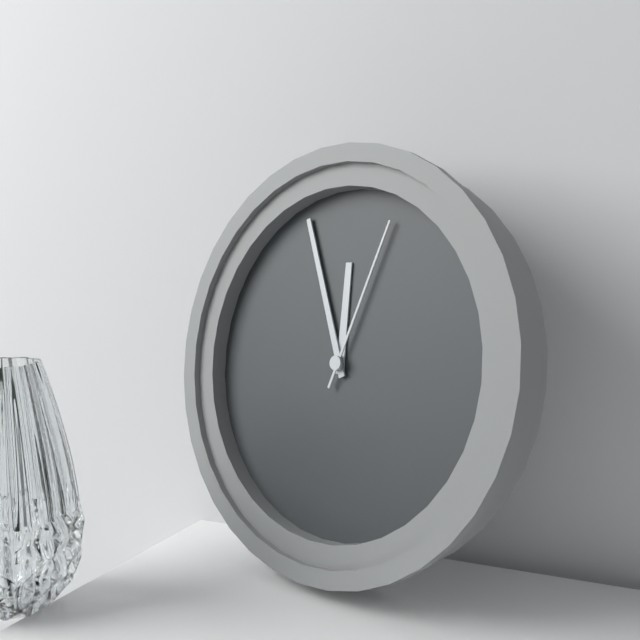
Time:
{"hour": 11, "minute": 56, "second": 3}
